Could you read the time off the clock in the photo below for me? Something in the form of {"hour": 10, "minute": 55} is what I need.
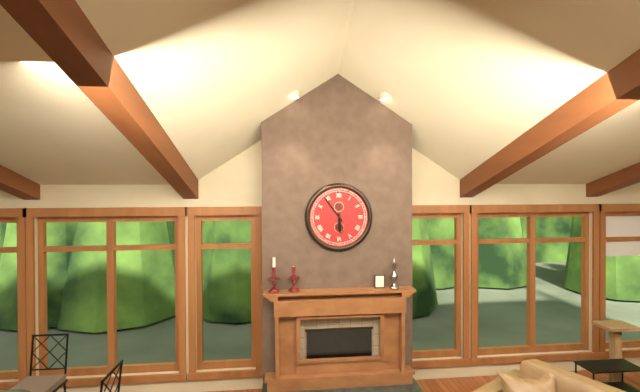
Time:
{"hour": 5, "minute": 54}
